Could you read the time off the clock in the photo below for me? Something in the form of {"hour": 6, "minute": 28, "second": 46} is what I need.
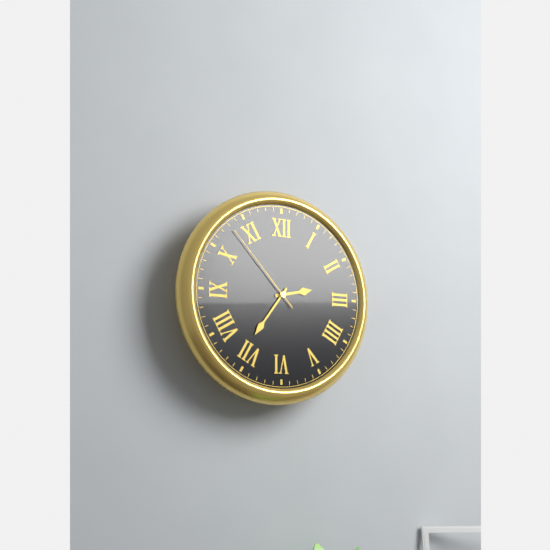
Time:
{"hour": 2, "minute": 36, "second": 53}
